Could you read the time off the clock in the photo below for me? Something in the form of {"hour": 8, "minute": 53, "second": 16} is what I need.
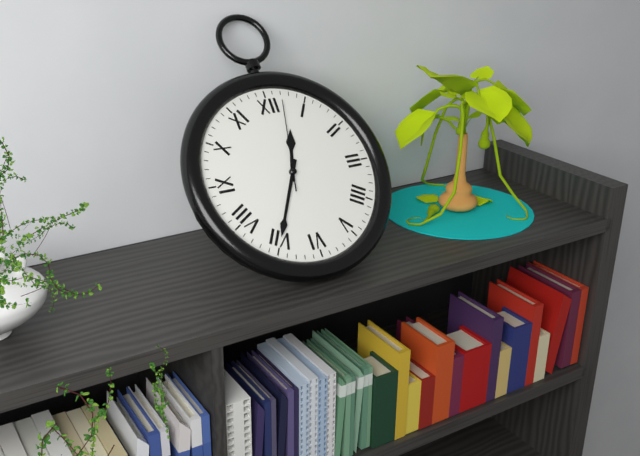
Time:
{"hour": 12, "minute": 35, "second": 2}
